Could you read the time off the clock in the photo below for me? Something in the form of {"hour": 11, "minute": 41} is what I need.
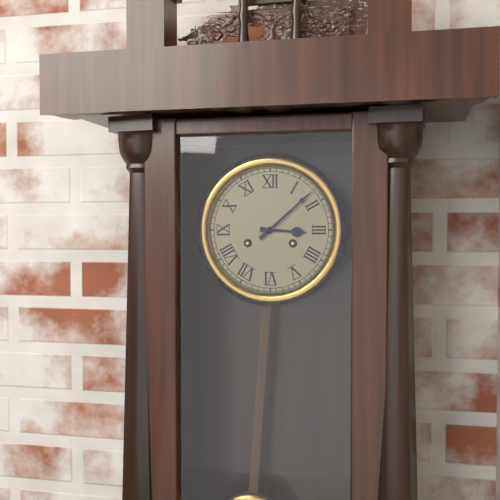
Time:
{"hour": 3, "minute": 8}
